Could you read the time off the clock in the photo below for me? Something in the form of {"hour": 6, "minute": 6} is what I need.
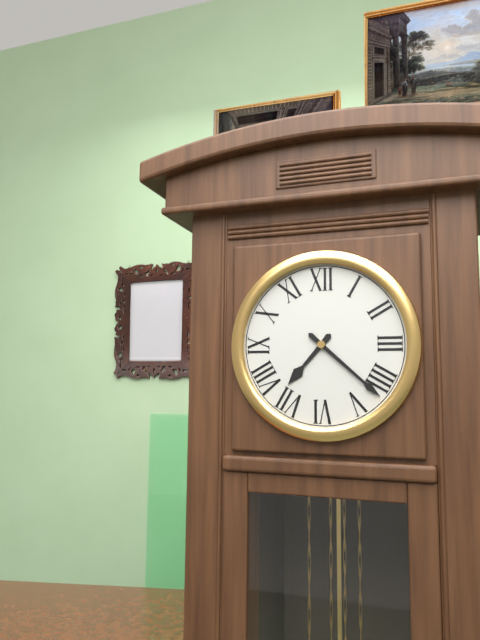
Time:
{"hour": 7, "minute": 22}
